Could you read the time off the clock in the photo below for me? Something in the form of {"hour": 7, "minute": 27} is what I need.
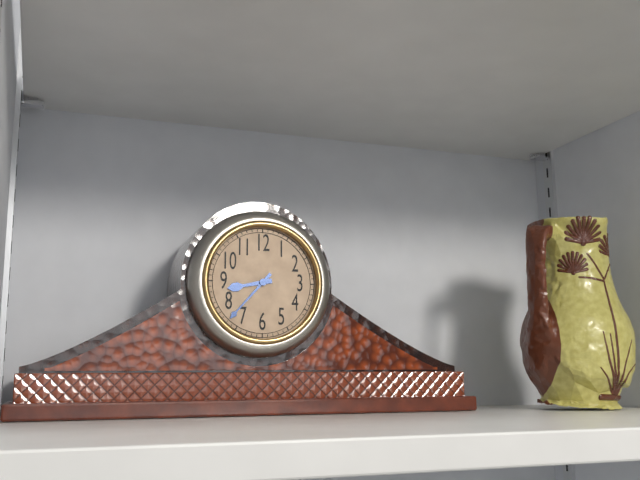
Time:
{"hour": 8, "minute": 37}
